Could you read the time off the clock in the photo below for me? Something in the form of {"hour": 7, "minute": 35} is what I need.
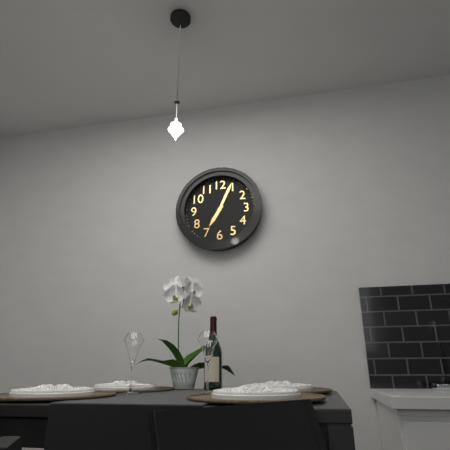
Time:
{"hour": 7, "minute": 4}
